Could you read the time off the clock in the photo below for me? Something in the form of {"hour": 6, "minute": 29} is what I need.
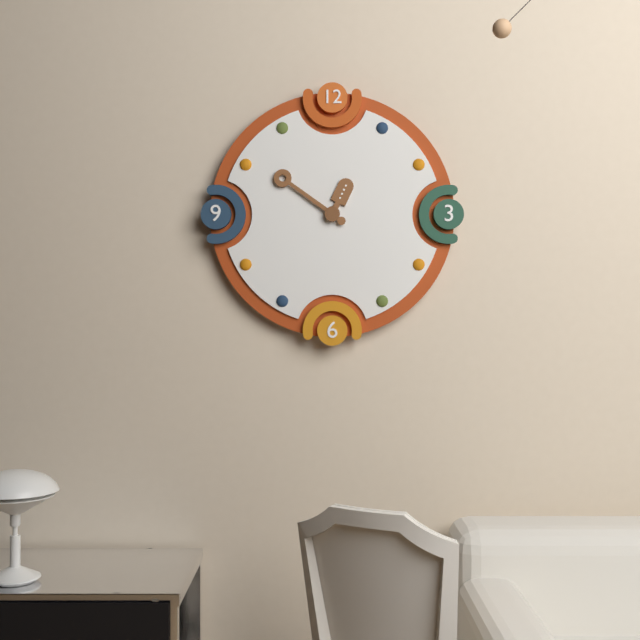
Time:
{"hour": 12, "minute": 51}
